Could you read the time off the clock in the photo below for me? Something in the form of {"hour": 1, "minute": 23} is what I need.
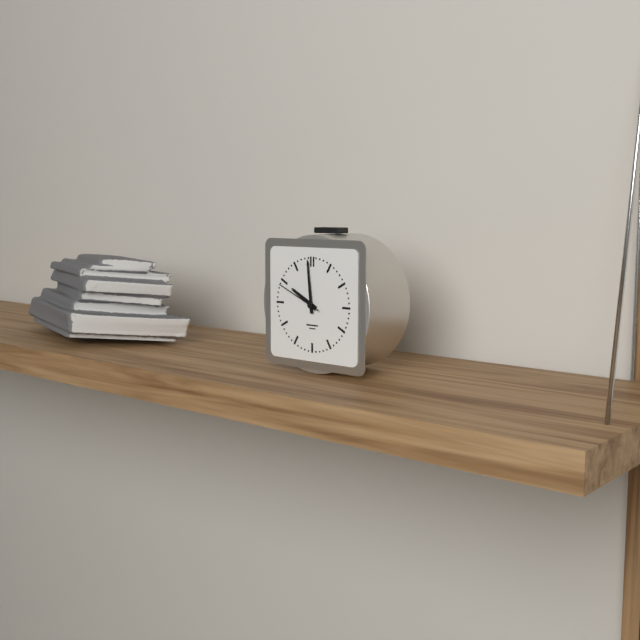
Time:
{"hour": 9, "minute": 59}
